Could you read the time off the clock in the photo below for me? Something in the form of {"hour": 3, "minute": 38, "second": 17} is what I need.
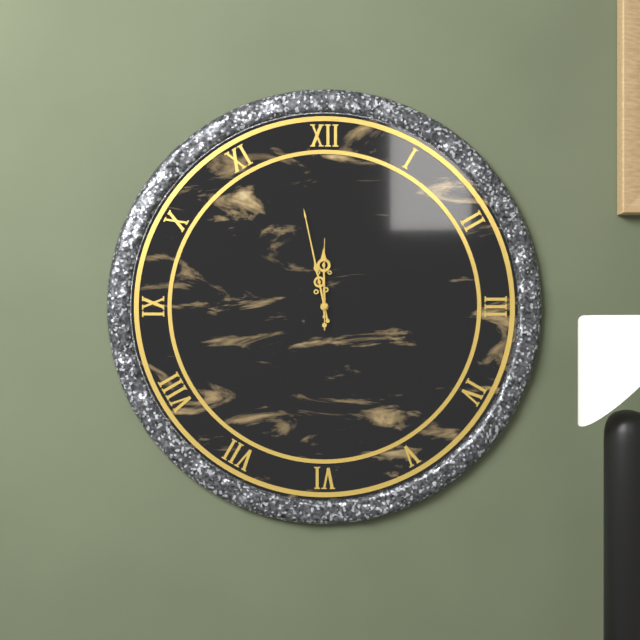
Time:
{"hour": 11, "minute": 58, "second": 0}
